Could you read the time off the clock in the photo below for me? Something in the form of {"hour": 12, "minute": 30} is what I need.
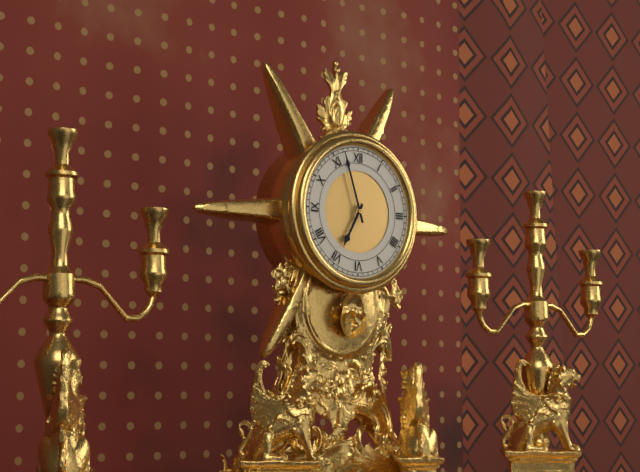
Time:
{"hour": 6, "minute": 57}
